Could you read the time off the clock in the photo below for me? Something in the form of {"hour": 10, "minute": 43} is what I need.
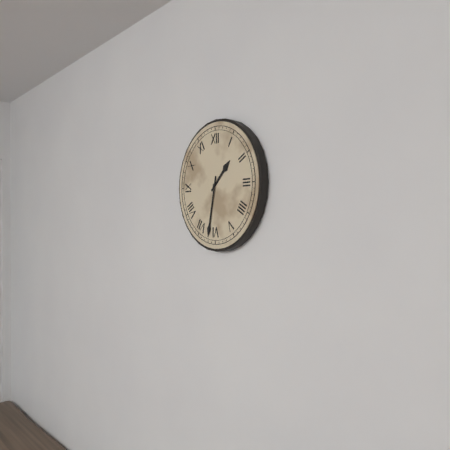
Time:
{"hour": 1, "minute": 32}
